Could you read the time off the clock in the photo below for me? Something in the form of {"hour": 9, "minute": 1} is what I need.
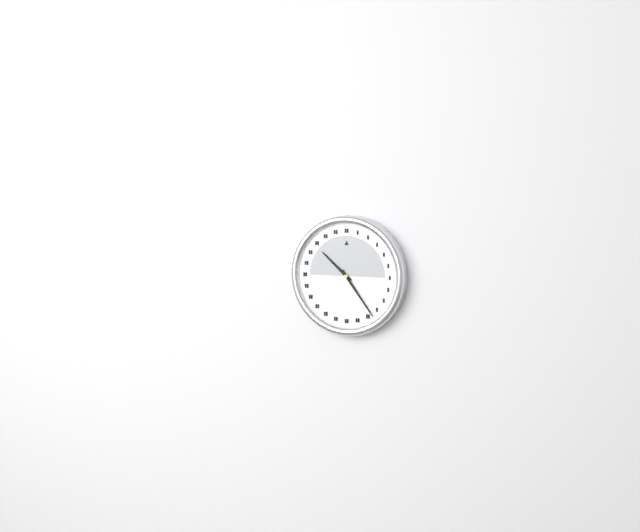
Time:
{"hour": 10, "minute": 24}
